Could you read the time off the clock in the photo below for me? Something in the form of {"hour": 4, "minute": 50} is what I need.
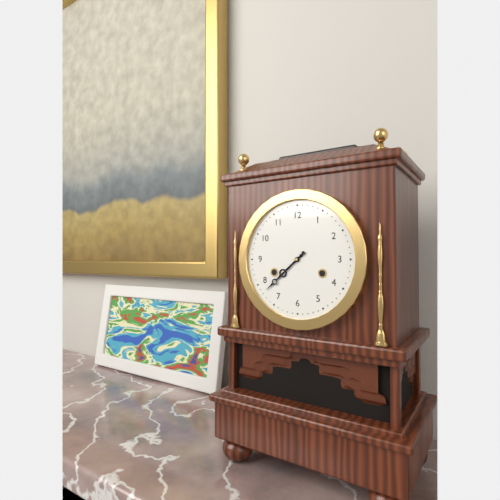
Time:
{"hour": 7, "minute": 38}
